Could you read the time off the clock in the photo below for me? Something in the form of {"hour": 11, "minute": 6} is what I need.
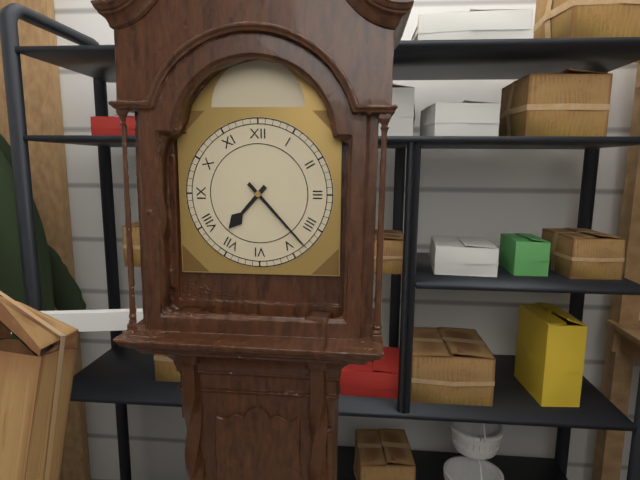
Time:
{"hour": 7, "minute": 23}
